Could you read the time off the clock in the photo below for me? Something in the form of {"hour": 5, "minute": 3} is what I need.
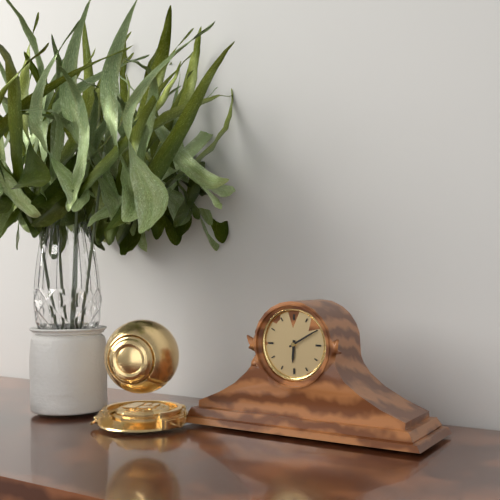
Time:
{"hour": 6, "minute": 10}
